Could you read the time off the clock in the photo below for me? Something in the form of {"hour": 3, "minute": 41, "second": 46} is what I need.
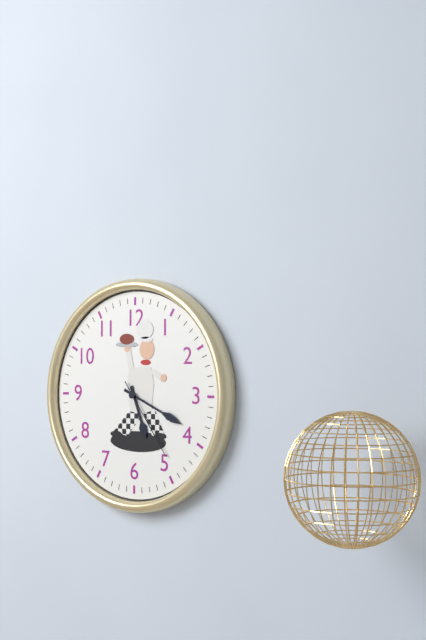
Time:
{"hour": 5, "minute": 19, "second": 24}
